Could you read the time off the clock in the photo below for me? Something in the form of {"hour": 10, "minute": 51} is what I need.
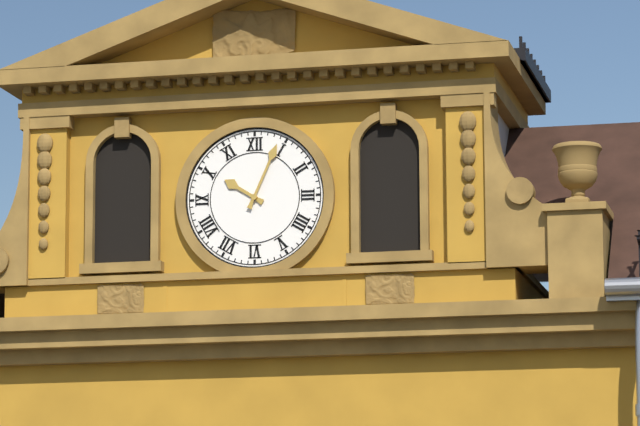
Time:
{"hour": 10, "minute": 4}
